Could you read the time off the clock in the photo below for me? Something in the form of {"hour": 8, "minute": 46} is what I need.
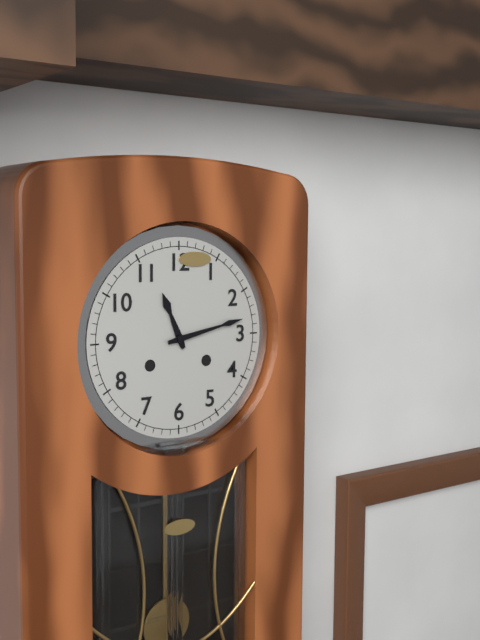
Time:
{"hour": 11, "minute": 13}
